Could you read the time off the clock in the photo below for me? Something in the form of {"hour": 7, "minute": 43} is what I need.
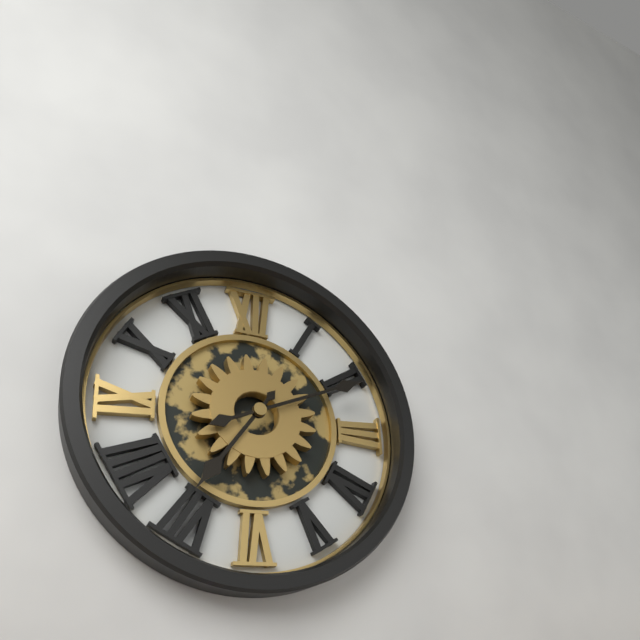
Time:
{"hour": 7, "minute": 11}
